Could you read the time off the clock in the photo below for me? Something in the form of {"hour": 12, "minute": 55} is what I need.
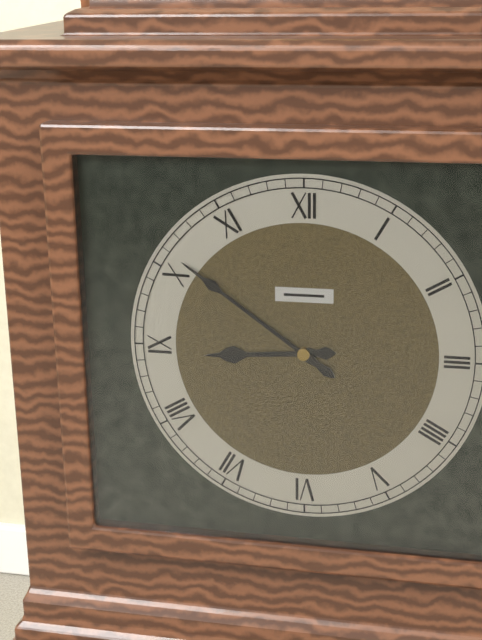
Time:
{"hour": 8, "minute": 51}
